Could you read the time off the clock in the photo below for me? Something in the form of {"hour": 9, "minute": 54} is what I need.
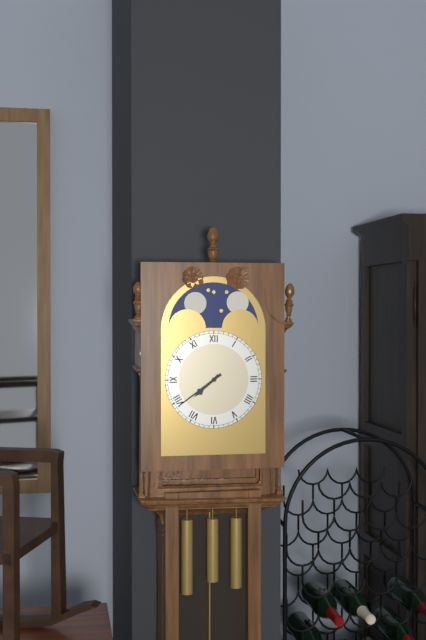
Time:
{"hour": 7, "minute": 39}
